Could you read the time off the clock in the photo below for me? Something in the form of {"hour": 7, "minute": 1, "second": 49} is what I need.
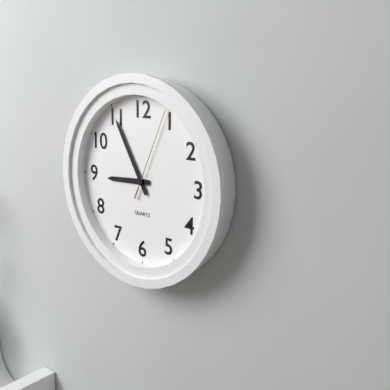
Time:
{"hour": 8, "minute": 55, "second": 4}
